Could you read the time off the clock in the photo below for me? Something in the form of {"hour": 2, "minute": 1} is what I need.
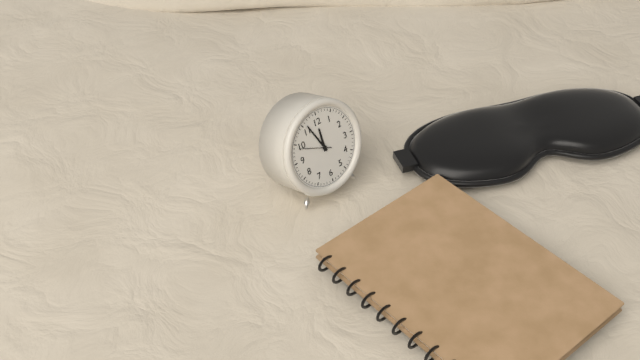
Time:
{"hour": 11, "minute": 56}
